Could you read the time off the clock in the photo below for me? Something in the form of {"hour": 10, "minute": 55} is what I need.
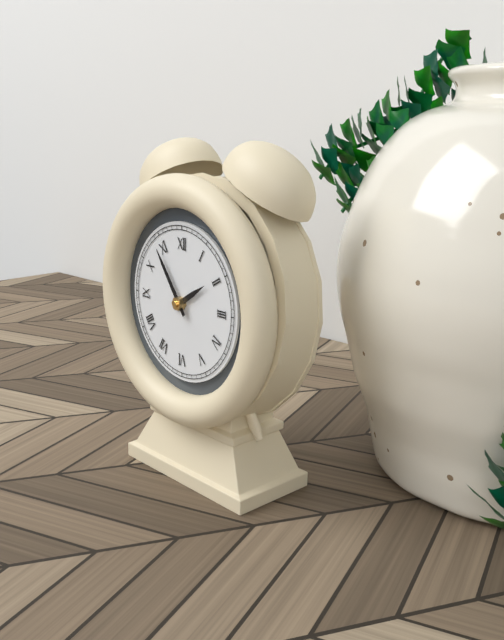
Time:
{"hour": 1, "minute": 54}
